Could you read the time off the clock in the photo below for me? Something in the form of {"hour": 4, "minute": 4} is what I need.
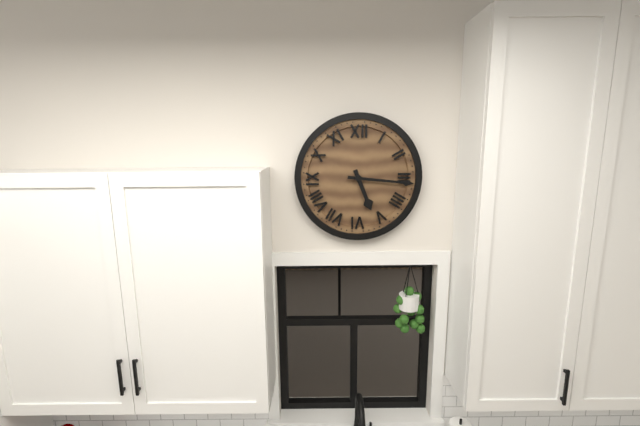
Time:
{"hour": 5, "minute": 16}
